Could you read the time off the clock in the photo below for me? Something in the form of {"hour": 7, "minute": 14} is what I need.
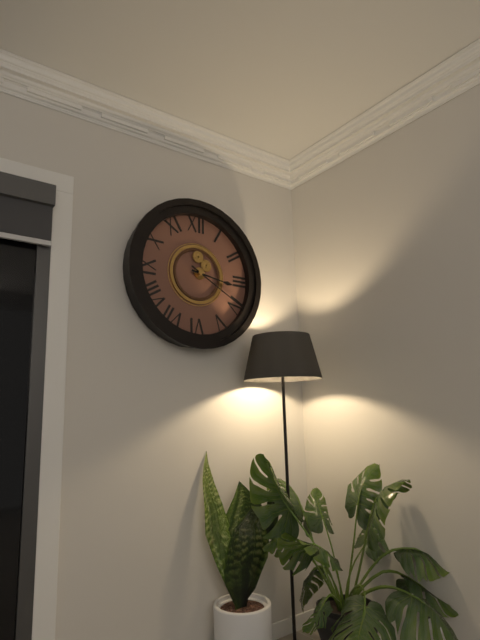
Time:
{"hour": 3, "minute": 20}
